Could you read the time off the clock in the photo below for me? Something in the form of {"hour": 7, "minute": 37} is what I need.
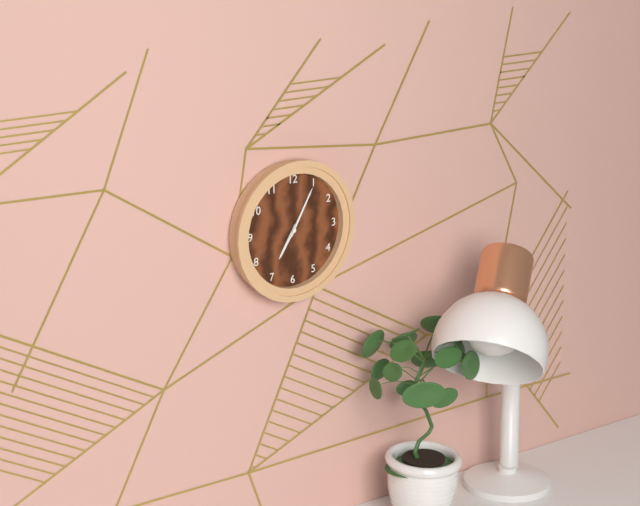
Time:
{"hour": 7, "minute": 5}
